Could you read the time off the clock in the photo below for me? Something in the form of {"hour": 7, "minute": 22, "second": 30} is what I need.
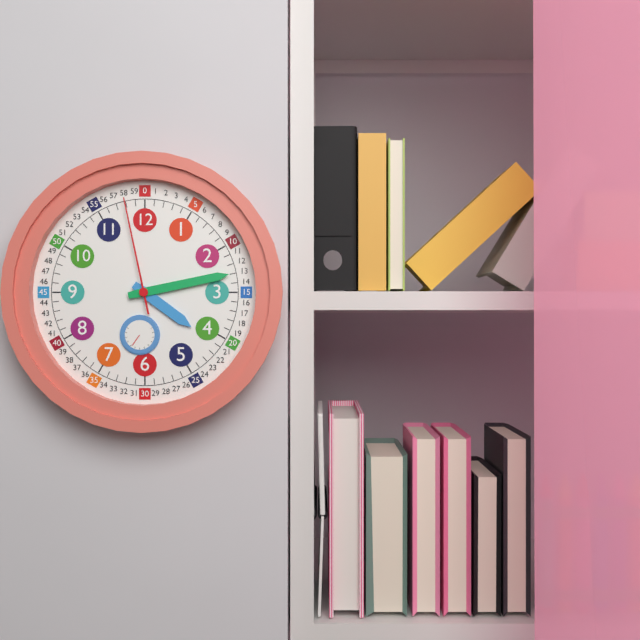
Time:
{"hour": 4, "minute": 13, "second": 58}
